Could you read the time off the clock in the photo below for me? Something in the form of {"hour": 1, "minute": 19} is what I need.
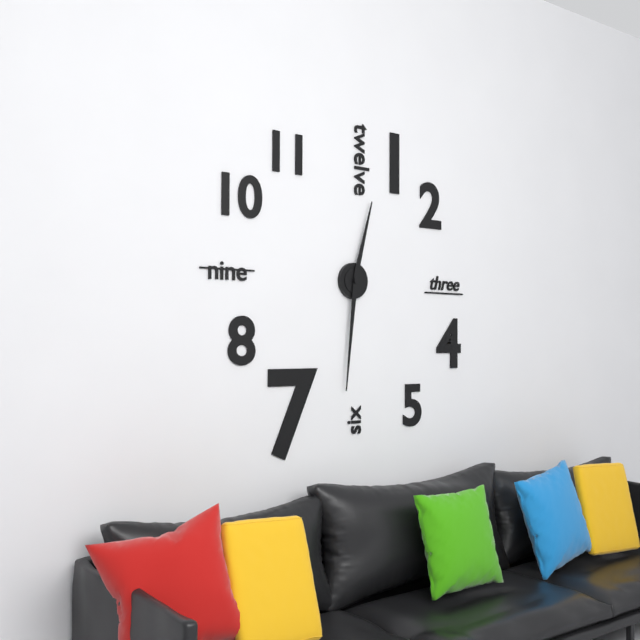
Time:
{"hour": 12, "minute": 31}
